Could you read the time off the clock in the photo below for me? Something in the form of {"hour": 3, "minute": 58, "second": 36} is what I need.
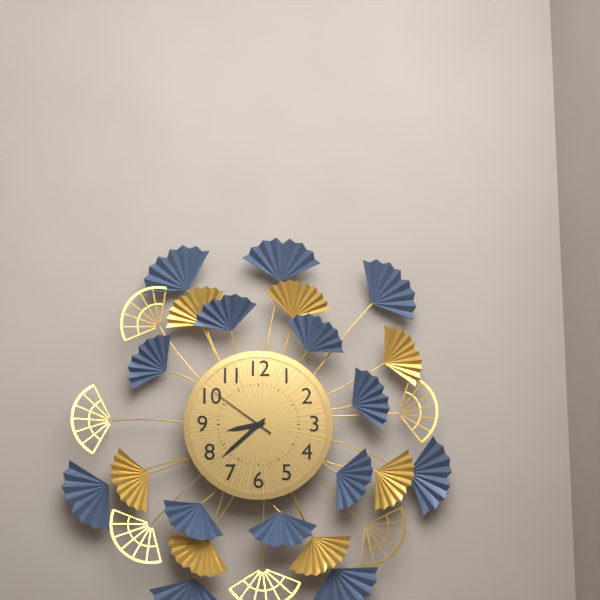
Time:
{"hour": 8, "minute": 38, "second": 51}
